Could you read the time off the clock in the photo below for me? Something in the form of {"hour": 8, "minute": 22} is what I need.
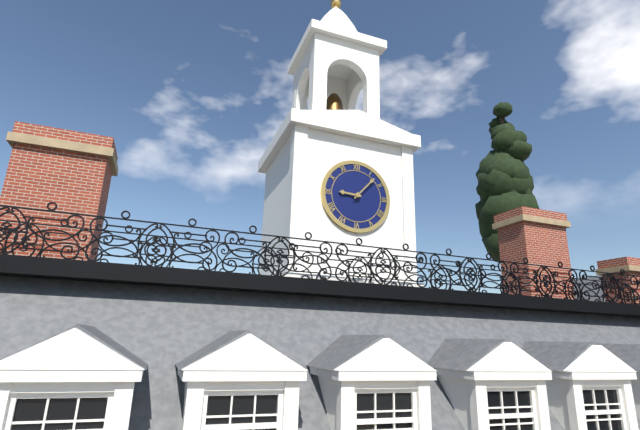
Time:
{"hour": 9, "minute": 7}
